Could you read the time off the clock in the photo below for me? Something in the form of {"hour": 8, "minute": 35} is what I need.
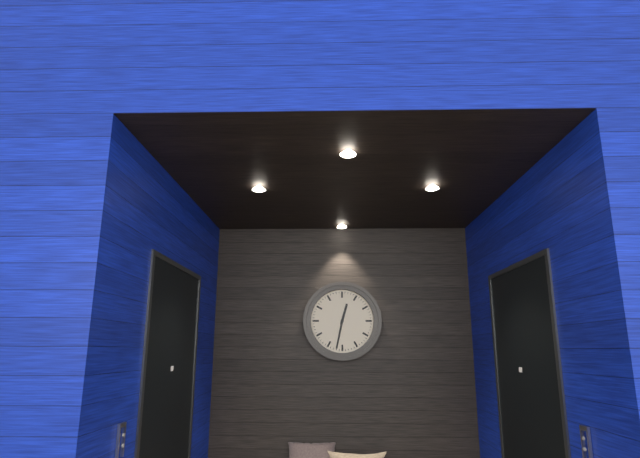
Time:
{"hour": 12, "minute": 32}
